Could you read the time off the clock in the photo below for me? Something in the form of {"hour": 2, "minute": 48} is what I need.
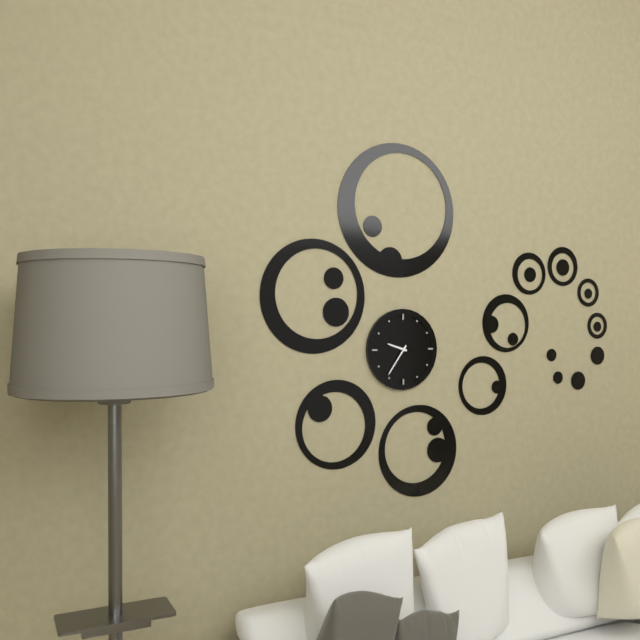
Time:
{"hour": 9, "minute": 36}
